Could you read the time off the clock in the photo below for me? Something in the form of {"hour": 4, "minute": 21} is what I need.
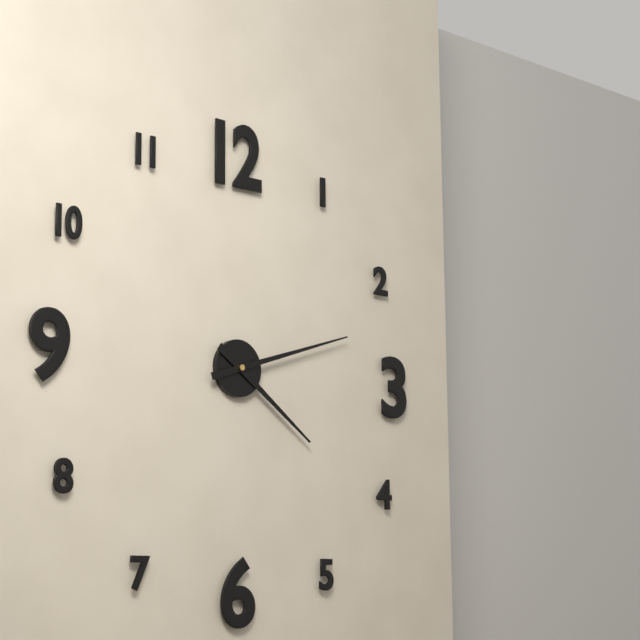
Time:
{"hour": 4, "minute": 12}
